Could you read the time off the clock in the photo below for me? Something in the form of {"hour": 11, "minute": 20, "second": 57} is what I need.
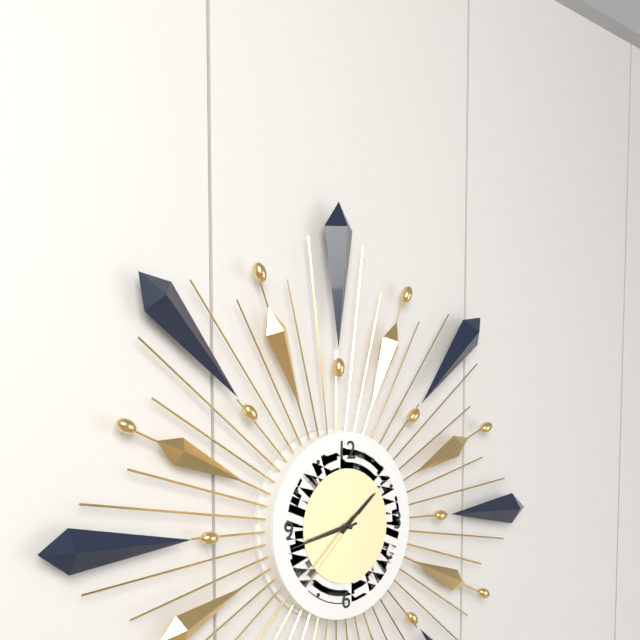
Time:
{"hour": 1, "minute": 43, "second": 38}
